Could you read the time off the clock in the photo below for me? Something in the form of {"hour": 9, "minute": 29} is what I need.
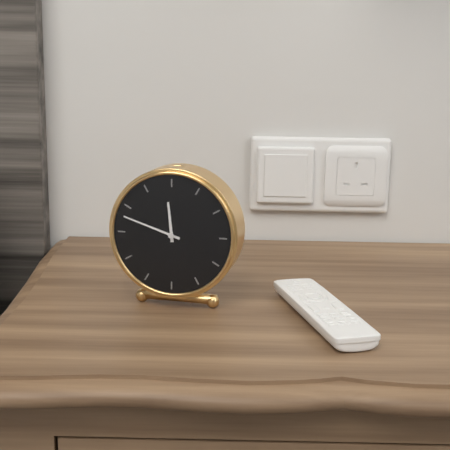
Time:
{"hour": 11, "minute": 48}
